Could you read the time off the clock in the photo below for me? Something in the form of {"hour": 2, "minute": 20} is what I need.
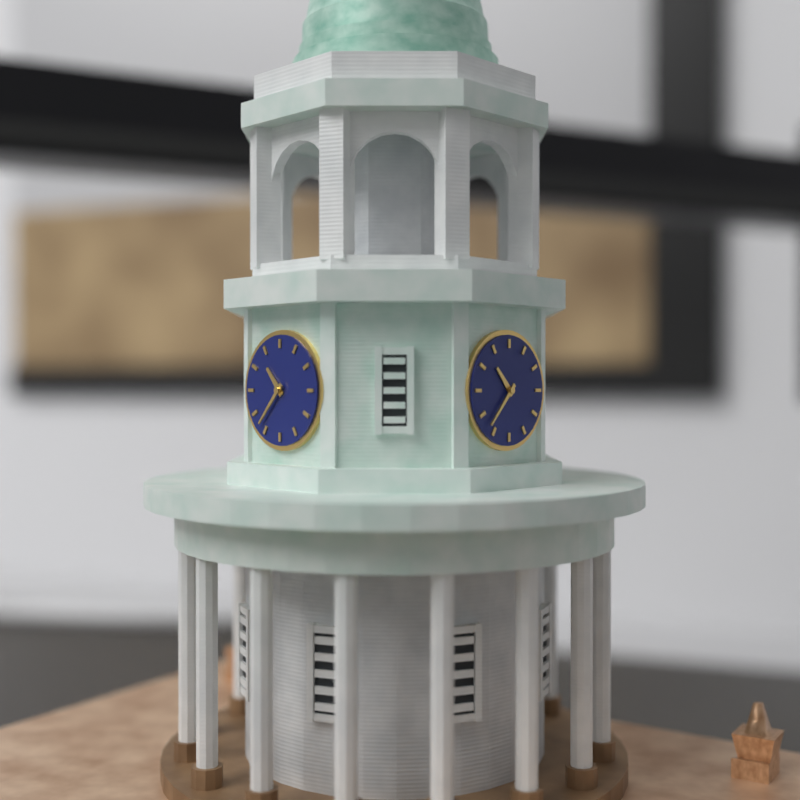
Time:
{"hour": 10, "minute": 37}
